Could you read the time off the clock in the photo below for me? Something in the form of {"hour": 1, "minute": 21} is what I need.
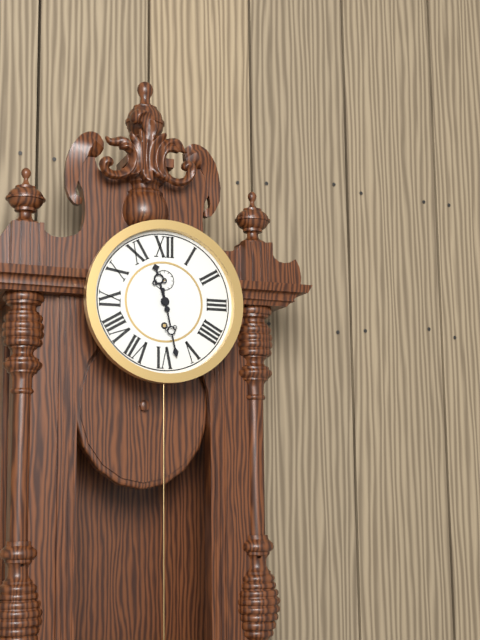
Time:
{"hour": 11, "minute": 28}
